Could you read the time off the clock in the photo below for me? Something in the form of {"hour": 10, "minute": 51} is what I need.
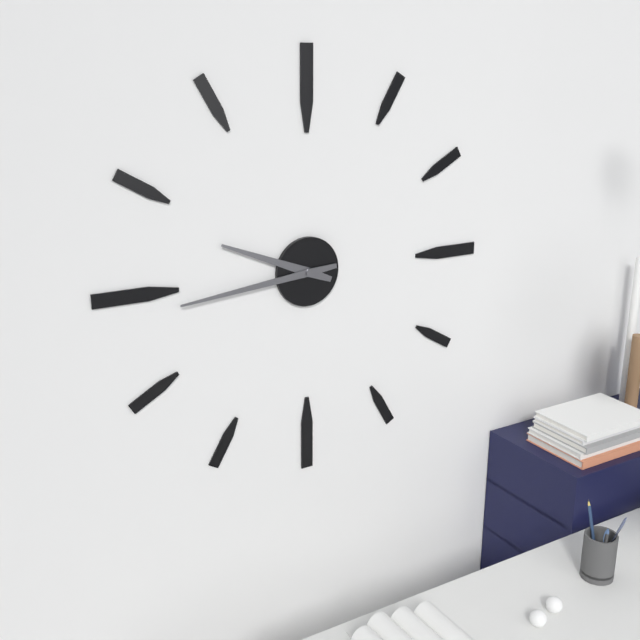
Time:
{"hour": 9, "minute": 44}
